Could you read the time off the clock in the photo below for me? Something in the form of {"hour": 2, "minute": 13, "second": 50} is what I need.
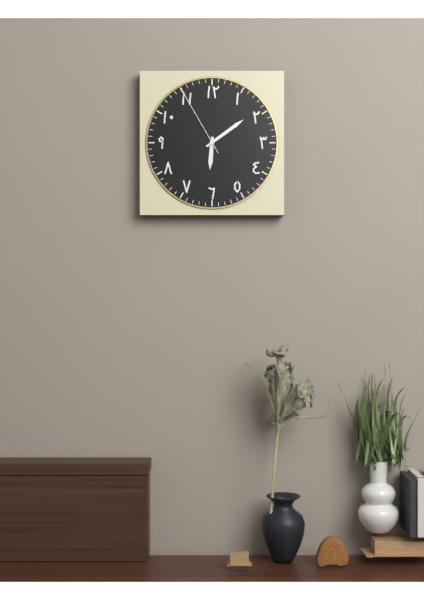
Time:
{"hour": 6, "minute": 9, "second": 55}
